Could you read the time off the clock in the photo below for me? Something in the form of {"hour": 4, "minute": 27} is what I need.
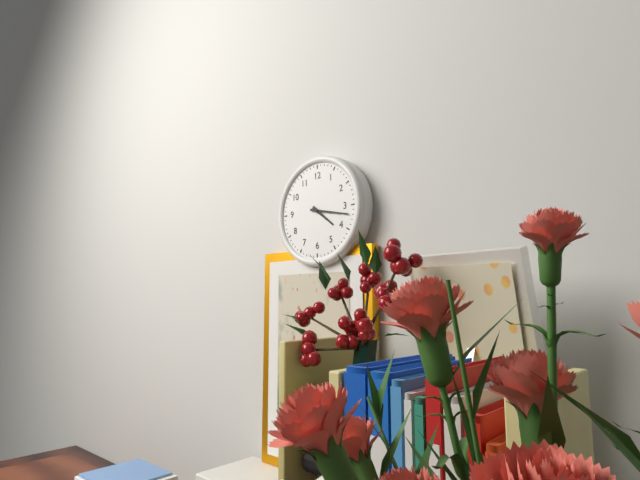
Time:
{"hour": 4, "minute": 17}
